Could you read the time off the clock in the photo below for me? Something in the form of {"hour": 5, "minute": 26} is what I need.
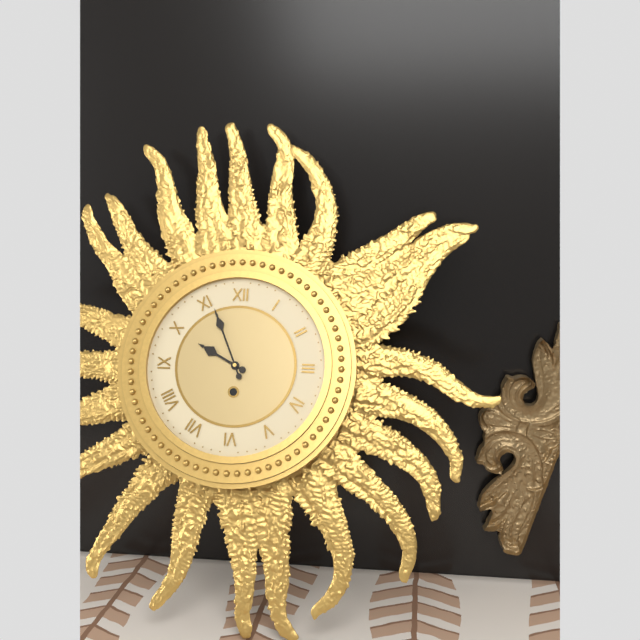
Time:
{"hour": 9, "minute": 56}
